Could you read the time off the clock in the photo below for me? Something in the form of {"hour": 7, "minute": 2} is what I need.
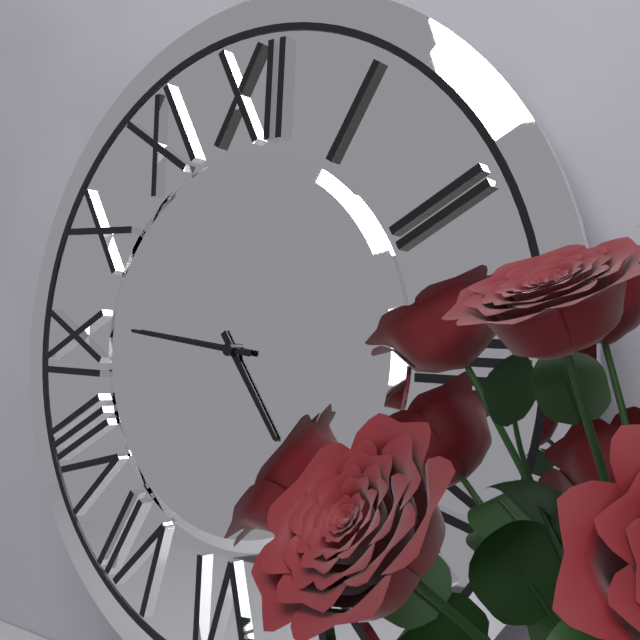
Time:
{"hour": 4, "minute": 46}
